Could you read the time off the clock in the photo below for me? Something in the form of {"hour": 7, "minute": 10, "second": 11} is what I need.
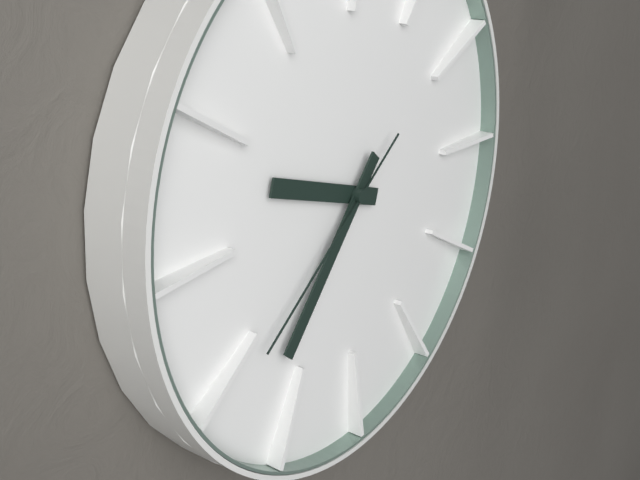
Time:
{"hour": 9, "minute": 37, "second": 39}
